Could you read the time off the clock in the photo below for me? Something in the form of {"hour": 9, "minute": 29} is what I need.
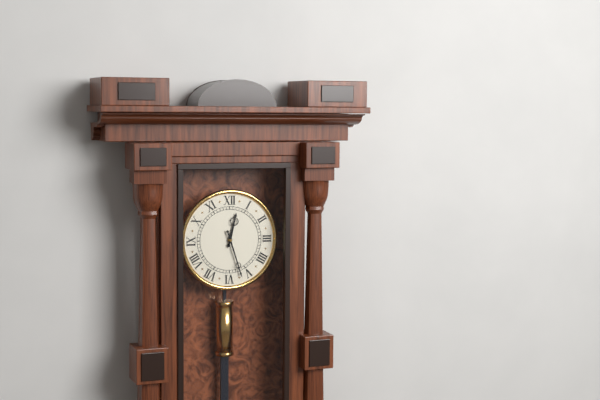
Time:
{"hour": 12, "minute": 27}
